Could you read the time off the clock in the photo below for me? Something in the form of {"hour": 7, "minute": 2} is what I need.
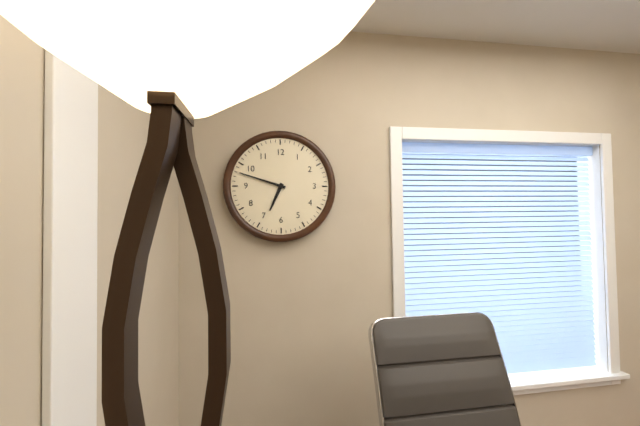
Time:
{"hour": 6, "minute": 48}
